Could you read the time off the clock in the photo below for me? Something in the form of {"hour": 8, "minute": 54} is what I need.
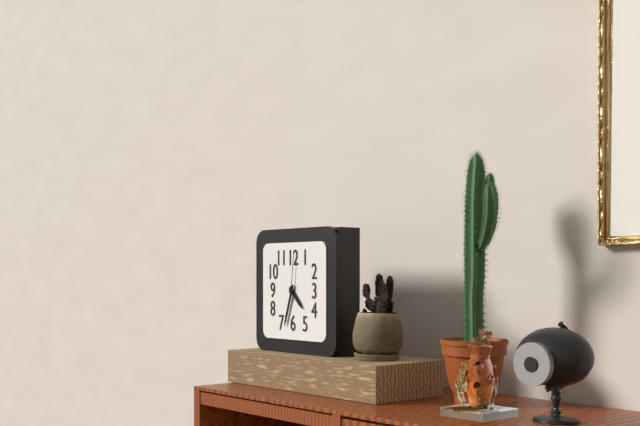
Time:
{"hour": 4, "minute": 33}
